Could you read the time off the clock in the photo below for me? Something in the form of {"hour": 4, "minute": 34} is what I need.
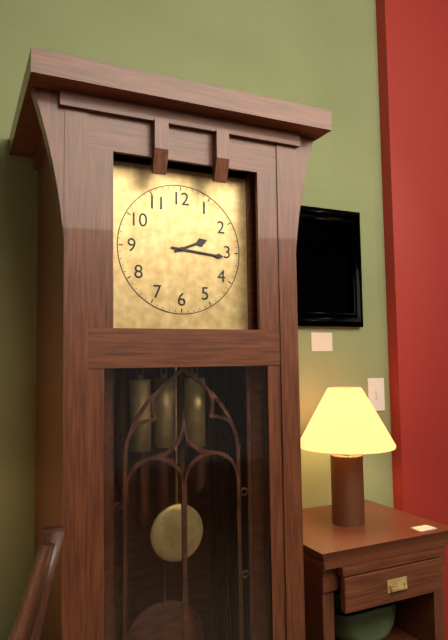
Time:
{"hour": 2, "minute": 16}
